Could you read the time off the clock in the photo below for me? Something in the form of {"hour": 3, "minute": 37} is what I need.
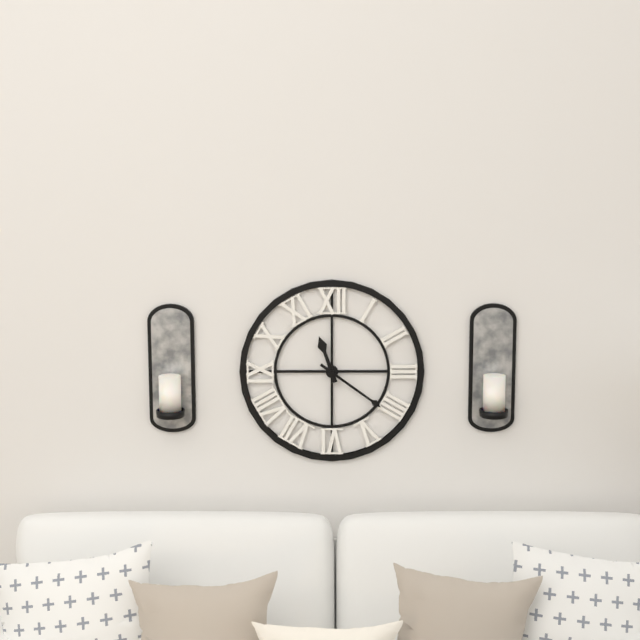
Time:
{"hour": 11, "minute": 21}
